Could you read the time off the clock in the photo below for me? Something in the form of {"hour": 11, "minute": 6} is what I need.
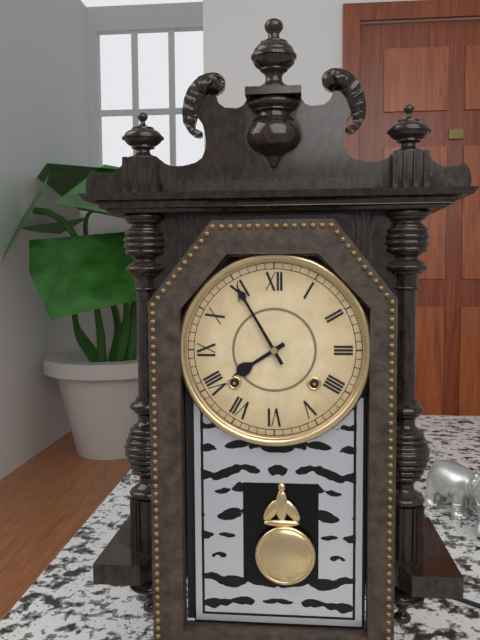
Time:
{"hour": 7, "minute": 55}
